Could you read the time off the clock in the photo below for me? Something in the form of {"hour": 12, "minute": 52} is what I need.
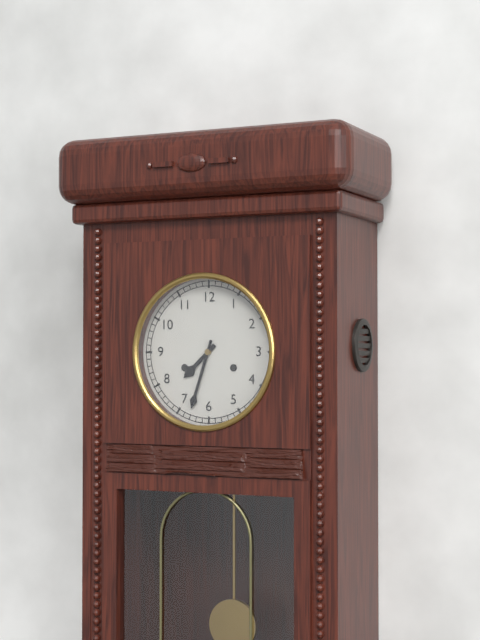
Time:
{"hour": 7, "minute": 33}
